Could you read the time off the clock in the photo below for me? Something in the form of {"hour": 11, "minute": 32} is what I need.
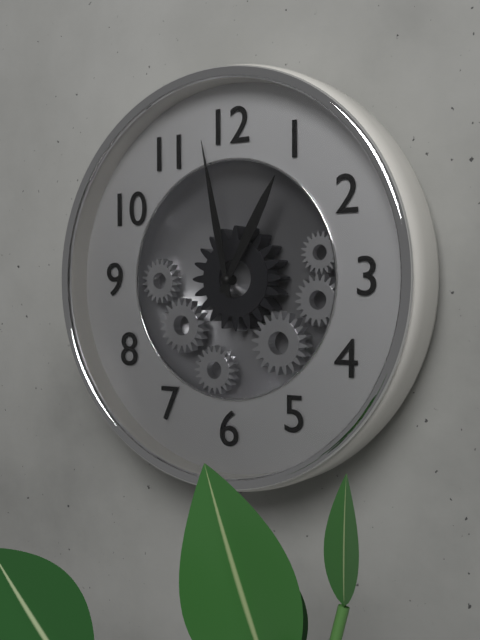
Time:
{"hour": 12, "minute": 58}
